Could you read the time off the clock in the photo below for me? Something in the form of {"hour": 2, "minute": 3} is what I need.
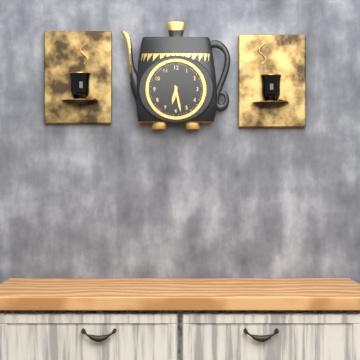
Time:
{"hour": 6, "minute": 28}
